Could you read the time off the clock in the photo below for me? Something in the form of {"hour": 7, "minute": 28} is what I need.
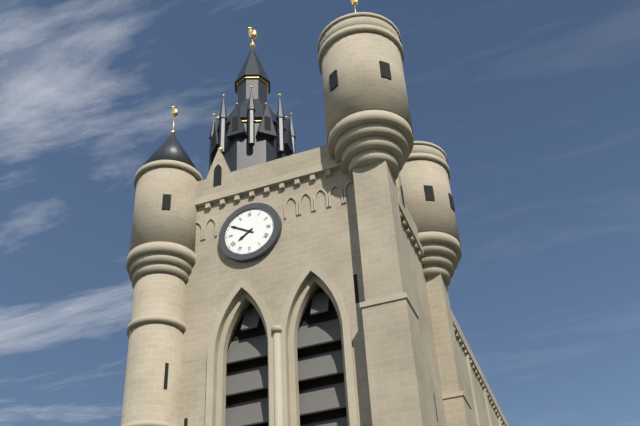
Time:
{"hour": 7, "minute": 50}
